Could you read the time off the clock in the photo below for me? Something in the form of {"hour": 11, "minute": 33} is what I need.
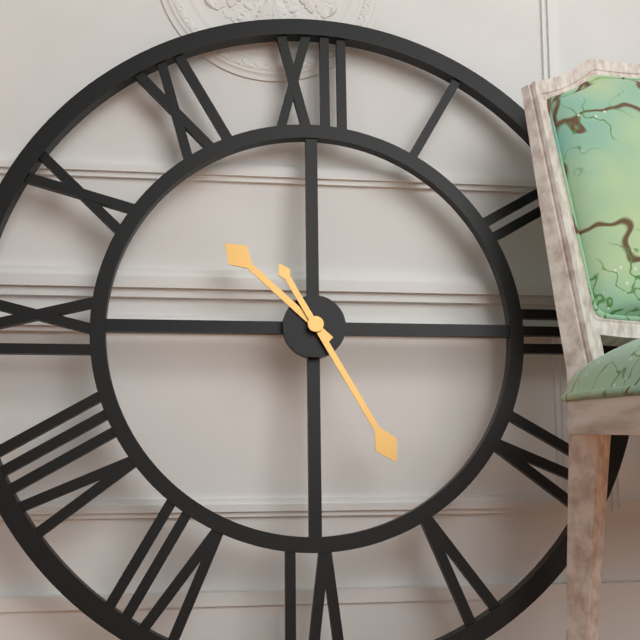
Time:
{"hour": 10, "minute": 25}
